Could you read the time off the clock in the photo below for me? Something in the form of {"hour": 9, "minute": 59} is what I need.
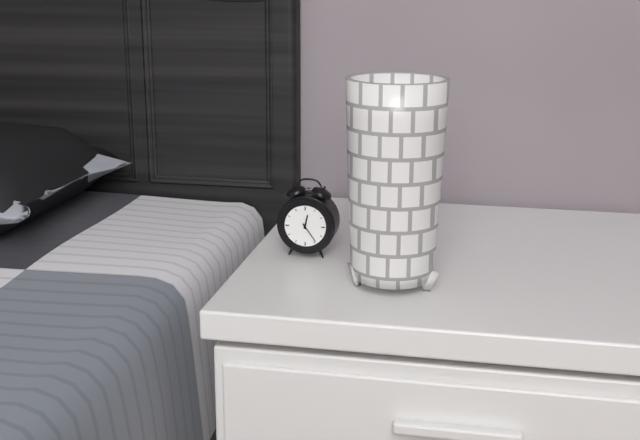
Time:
{"hour": 12, "minute": 24}
